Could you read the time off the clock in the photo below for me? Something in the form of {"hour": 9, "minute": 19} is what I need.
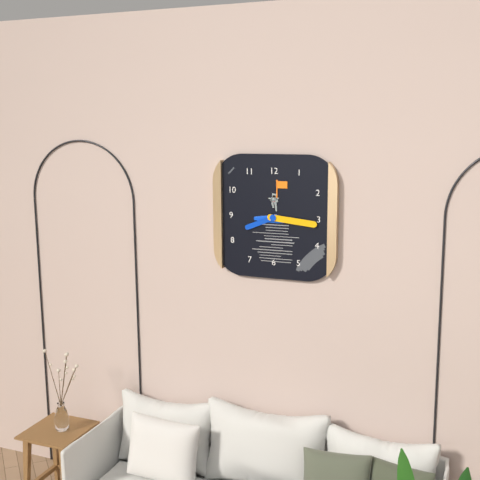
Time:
{"hour": 8, "minute": 16}
